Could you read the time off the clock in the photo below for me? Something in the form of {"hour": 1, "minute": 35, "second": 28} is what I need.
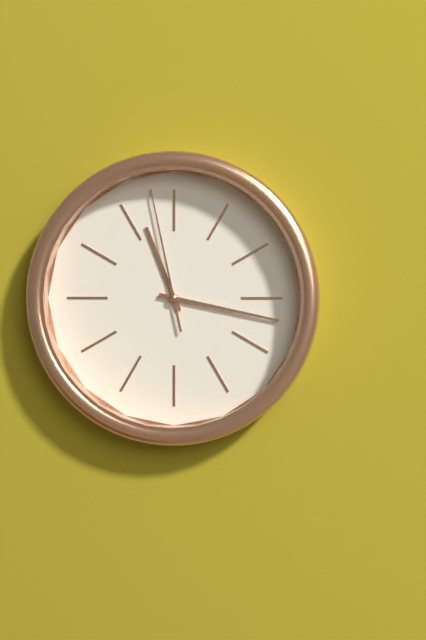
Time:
{"hour": 11, "minute": 17, "second": 58}
